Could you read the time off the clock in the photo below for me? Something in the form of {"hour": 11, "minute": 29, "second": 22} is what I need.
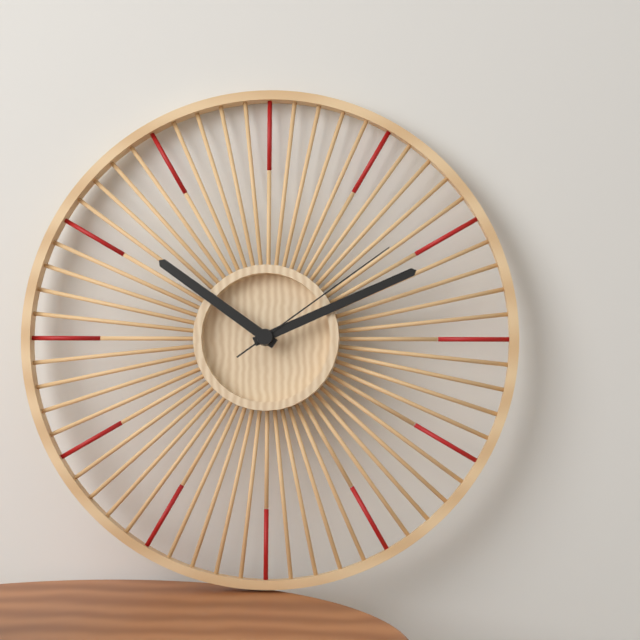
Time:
{"hour": 10, "minute": 11, "second": 9}
